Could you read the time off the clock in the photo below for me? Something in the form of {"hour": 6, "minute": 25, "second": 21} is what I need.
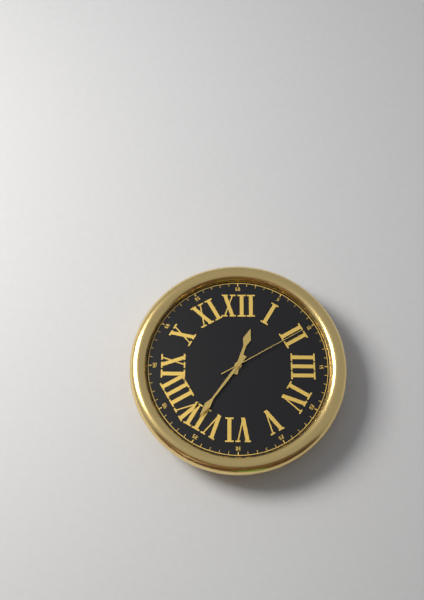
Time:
{"hour": 12, "minute": 36, "second": 10}
